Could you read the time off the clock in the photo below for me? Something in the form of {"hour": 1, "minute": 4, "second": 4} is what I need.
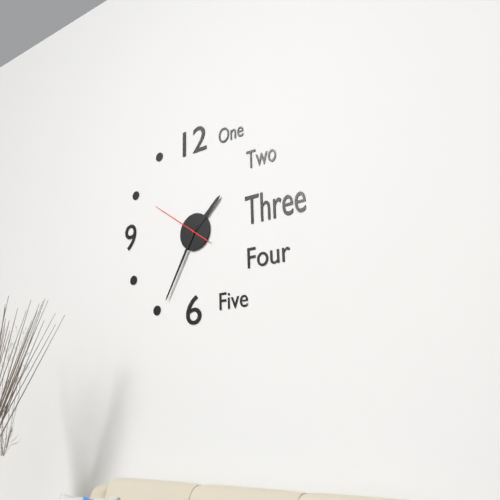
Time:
{"hour": 1, "minute": 35, "second": 51}
